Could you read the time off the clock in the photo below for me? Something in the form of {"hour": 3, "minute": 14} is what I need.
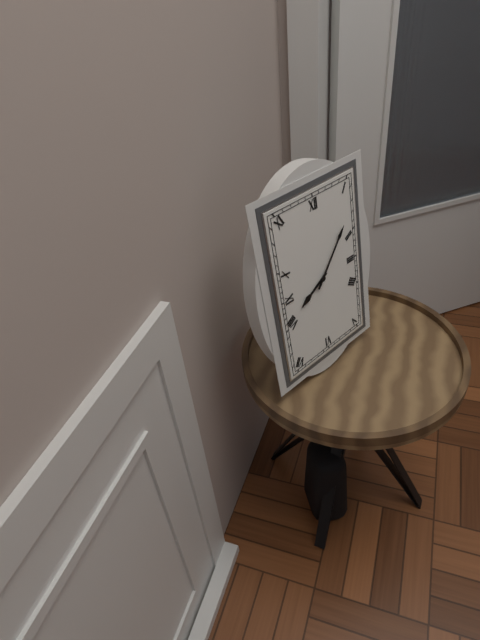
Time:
{"hour": 8, "minute": 7}
